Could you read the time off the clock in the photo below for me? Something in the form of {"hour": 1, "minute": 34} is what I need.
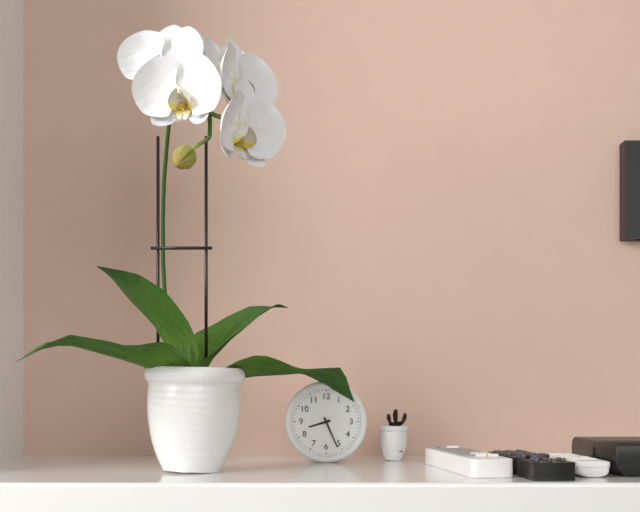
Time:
{"hour": 8, "minute": 26}
